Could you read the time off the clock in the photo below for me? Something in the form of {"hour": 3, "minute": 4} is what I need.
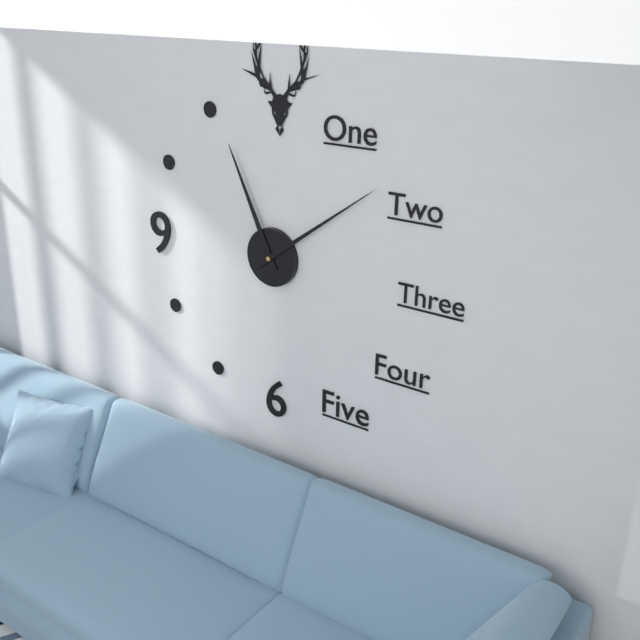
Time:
{"hour": 11, "minute": 9}
